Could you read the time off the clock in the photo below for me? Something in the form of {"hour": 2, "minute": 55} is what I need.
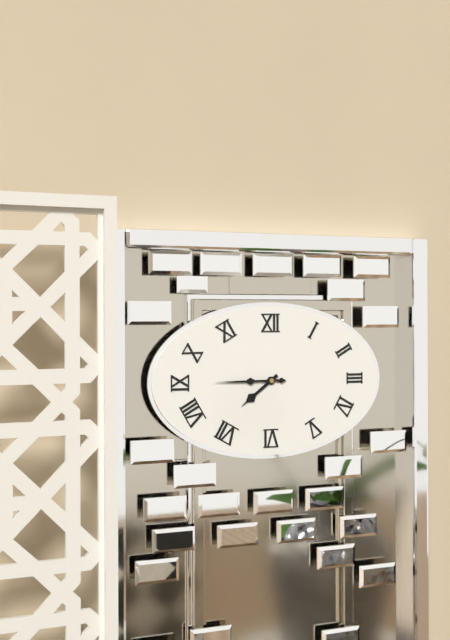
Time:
{"hour": 7, "minute": 45}
